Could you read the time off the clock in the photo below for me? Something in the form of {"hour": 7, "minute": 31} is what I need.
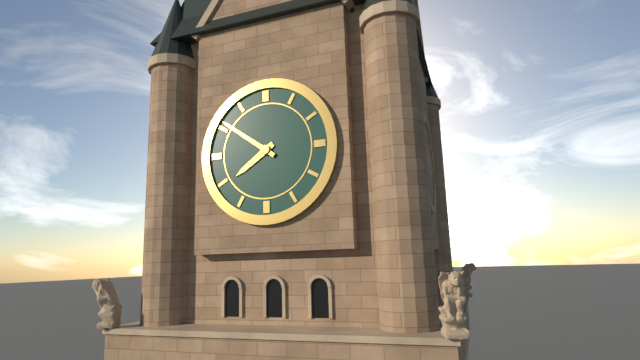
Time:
{"hour": 7, "minute": 51}
